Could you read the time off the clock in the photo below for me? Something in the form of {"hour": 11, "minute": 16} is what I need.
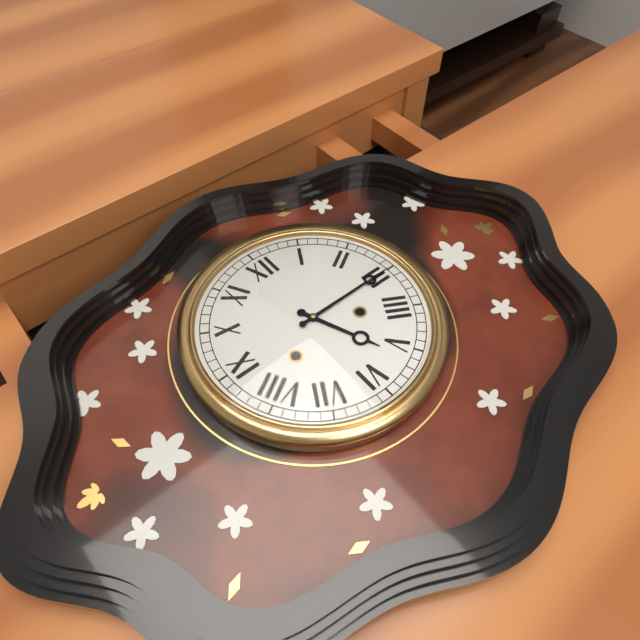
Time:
{"hour": 5, "minute": 15}
